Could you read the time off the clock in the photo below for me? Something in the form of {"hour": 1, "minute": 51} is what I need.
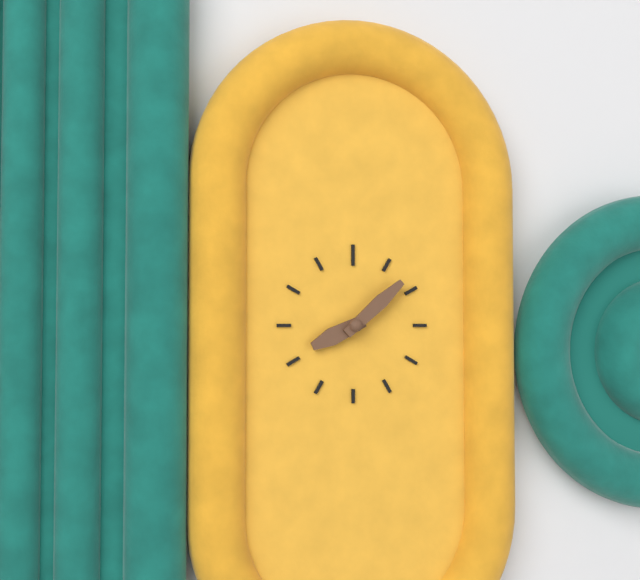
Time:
{"hour": 8, "minute": 8}
